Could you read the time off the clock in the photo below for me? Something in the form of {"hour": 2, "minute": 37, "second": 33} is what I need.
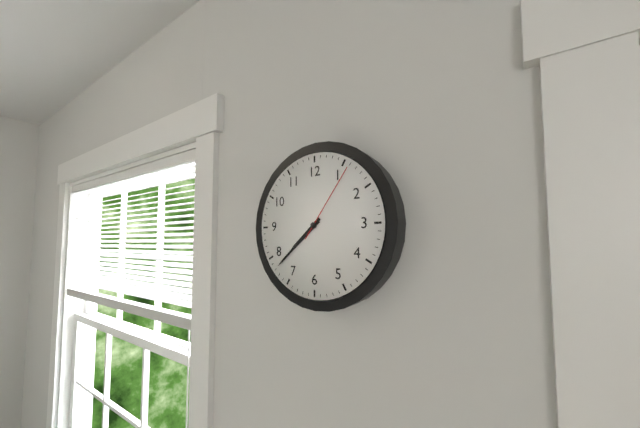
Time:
{"hour": 7, "minute": 38, "second": 6}
